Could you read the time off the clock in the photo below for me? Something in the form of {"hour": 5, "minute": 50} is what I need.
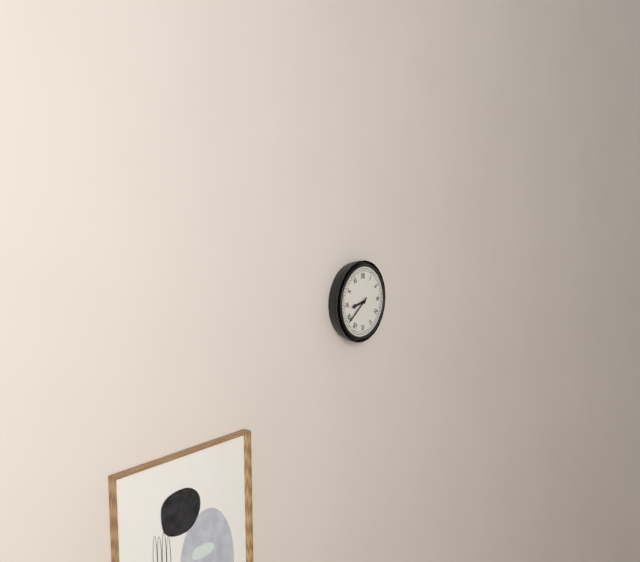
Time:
{"hour": 8, "minute": 39}
